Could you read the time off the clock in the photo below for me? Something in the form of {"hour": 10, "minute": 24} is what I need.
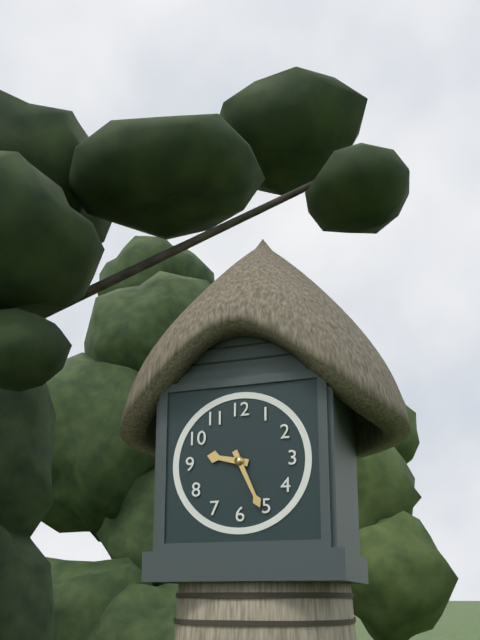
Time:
{"hour": 9, "minute": 26}
